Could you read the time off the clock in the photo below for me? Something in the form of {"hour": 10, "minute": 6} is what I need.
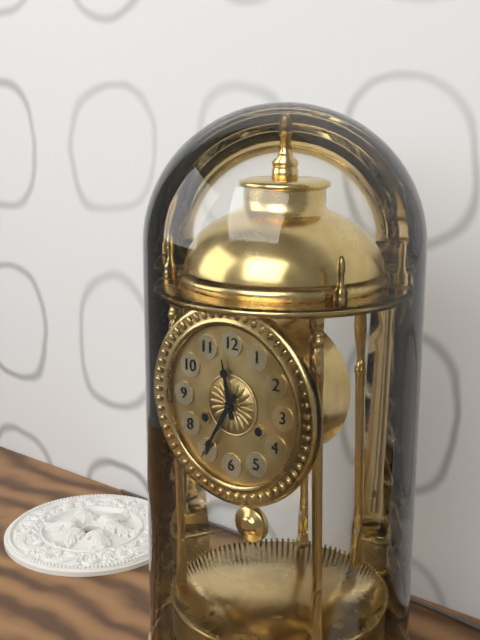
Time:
{"hour": 11, "minute": 35}
